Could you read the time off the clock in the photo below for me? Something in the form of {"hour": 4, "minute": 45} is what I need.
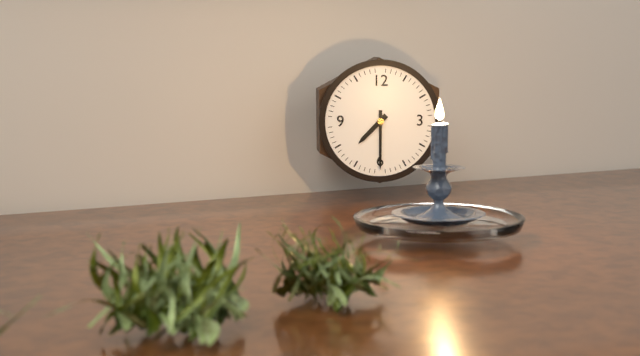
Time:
{"hour": 7, "minute": 30}
